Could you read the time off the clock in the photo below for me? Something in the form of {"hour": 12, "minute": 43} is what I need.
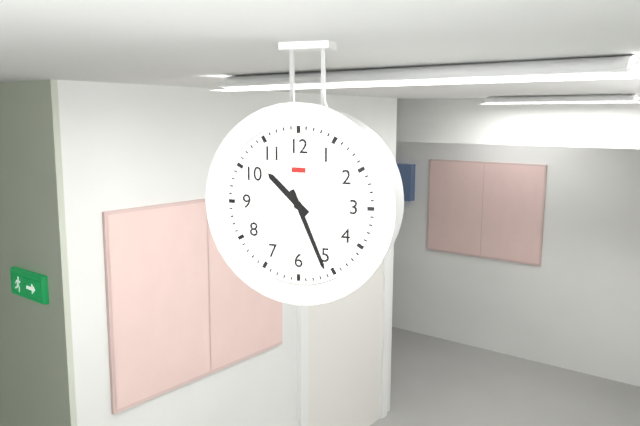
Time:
{"hour": 10, "minute": 26}
